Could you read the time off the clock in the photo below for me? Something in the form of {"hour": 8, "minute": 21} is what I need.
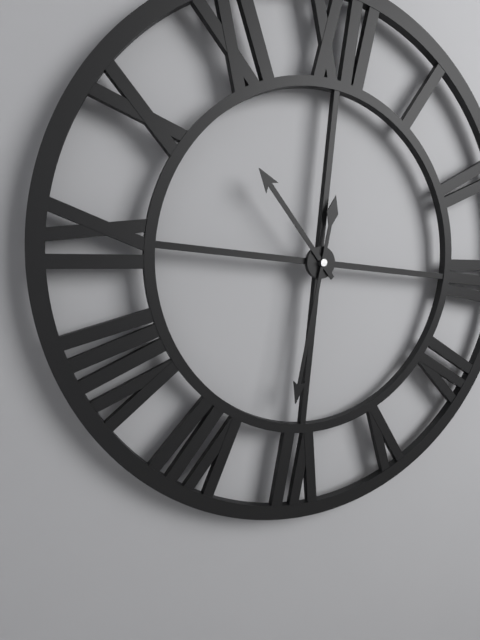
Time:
{"hour": 10, "minute": 31}
